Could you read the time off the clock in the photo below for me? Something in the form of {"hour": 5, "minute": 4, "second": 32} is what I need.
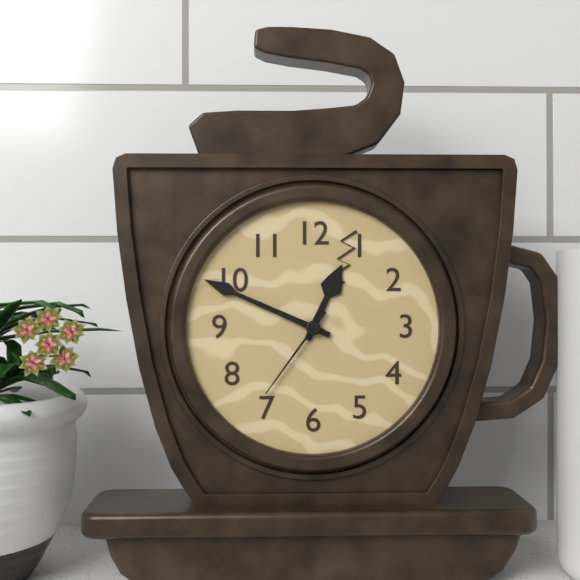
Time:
{"hour": 12, "minute": 49, "second": 36}
